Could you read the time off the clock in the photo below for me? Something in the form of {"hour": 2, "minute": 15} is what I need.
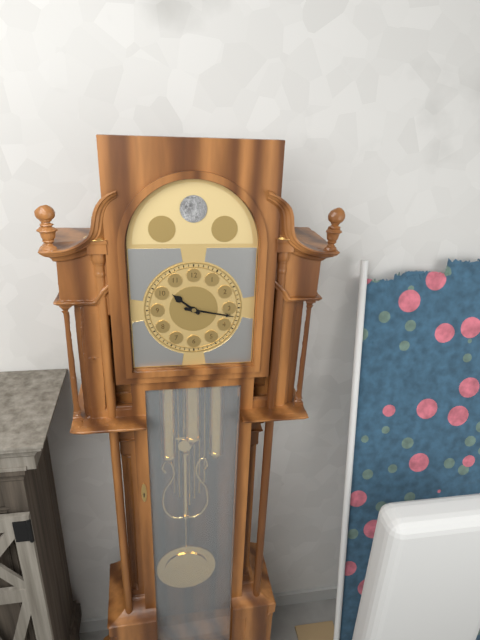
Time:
{"hour": 10, "minute": 17}
